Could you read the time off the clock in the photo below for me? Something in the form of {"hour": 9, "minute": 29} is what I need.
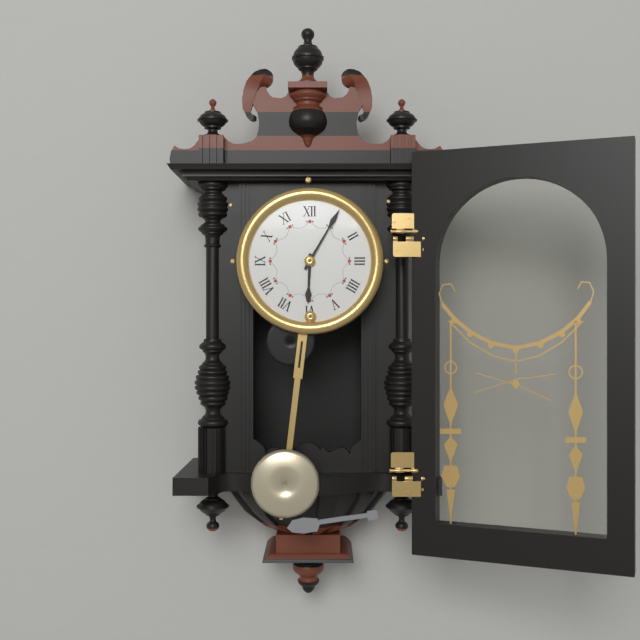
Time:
{"hour": 6, "minute": 5}
